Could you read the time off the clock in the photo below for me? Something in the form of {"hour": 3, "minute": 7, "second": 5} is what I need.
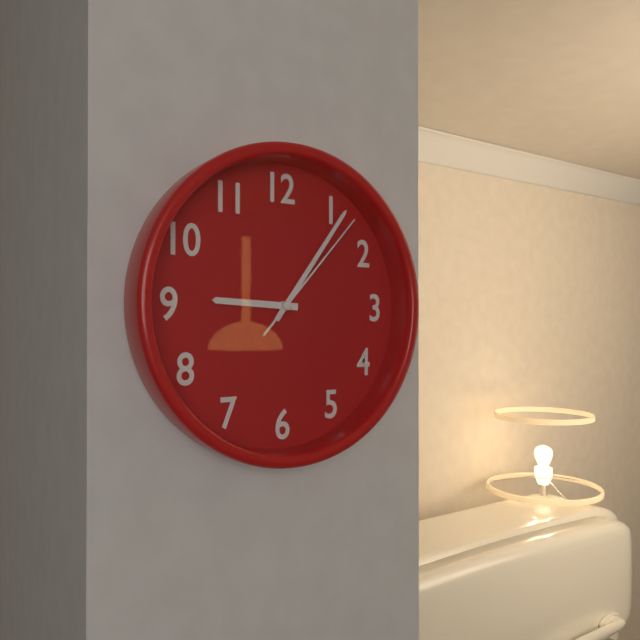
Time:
{"hour": 9, "minute": 6, "second": 7}
